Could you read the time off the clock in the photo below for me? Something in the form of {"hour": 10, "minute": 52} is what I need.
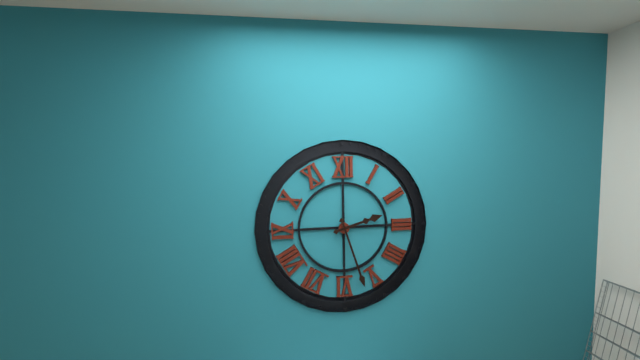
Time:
{"hour": 2, "minute": 27}
